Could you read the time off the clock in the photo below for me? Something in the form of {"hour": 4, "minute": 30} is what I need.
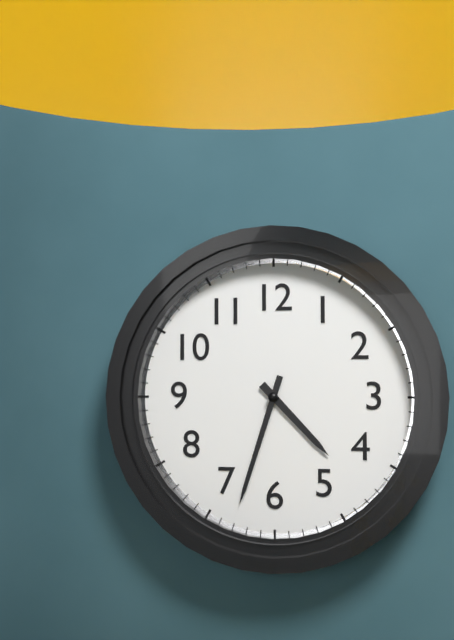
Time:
{"hour": 4, "minute": 33}
